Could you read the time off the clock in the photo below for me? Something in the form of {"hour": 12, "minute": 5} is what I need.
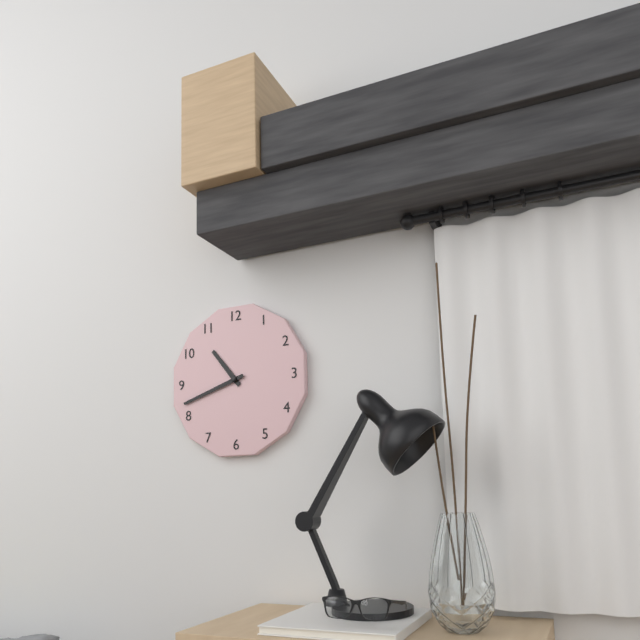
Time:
{"hour": 10, "minute": 42}
